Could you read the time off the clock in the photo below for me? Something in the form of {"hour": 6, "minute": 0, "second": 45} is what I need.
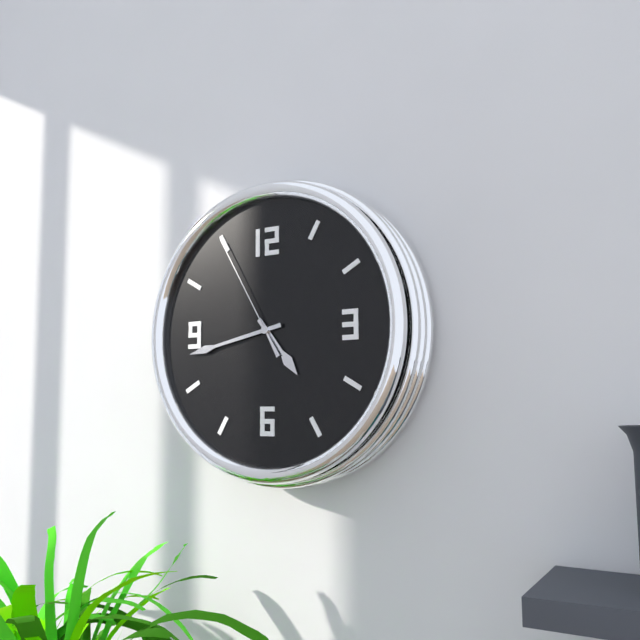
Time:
{"hour": 4, "minute": 43, "second": 55}
